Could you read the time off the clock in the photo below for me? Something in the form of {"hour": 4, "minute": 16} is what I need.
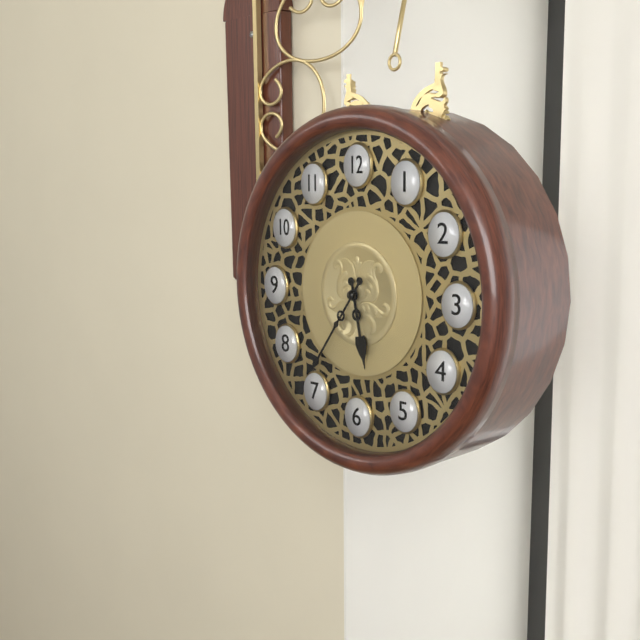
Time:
{"hour": 5, "minute": 36}
